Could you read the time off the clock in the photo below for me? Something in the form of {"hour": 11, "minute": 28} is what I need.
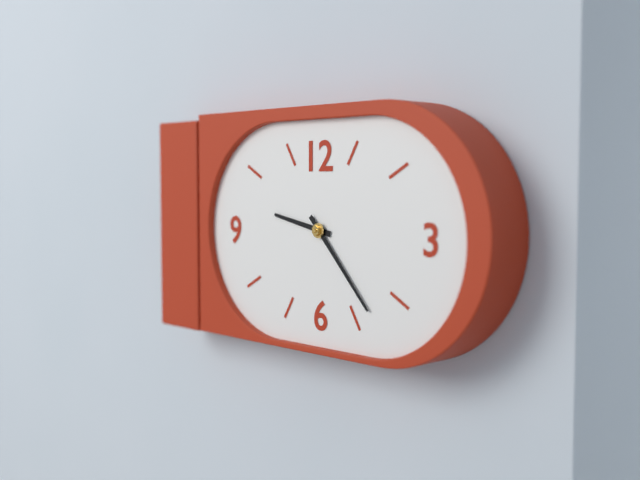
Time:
{"hour": 9, "minute": 23}
